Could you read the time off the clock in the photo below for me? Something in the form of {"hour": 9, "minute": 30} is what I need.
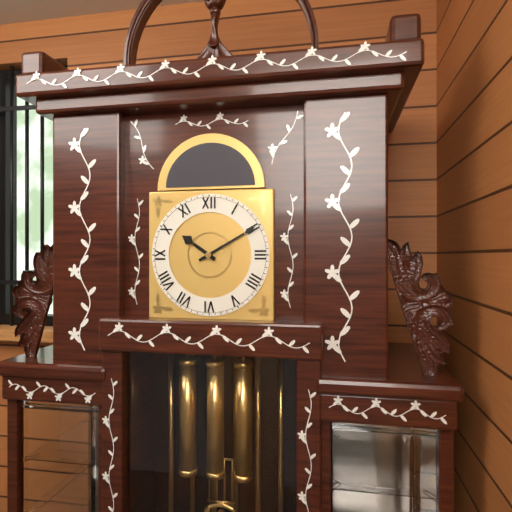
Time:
{"hour": 10, "minute": 10}
